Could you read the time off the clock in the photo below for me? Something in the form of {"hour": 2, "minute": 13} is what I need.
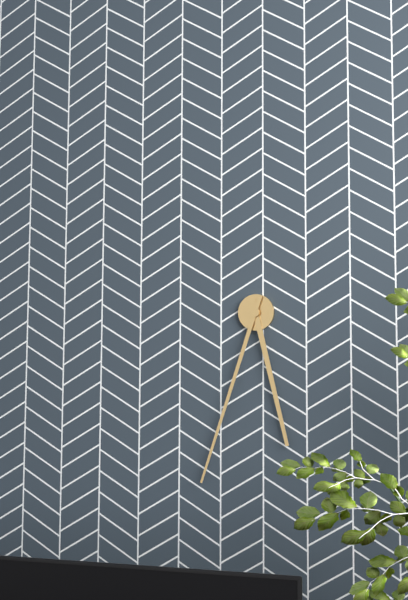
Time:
{"hour": 5, "minute": 33}
